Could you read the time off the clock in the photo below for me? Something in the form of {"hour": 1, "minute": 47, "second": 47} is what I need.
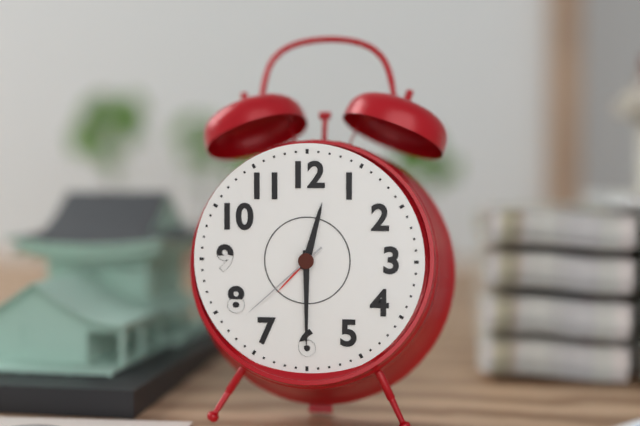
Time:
{"hour": 12, "minute": 30, "second": 38}
